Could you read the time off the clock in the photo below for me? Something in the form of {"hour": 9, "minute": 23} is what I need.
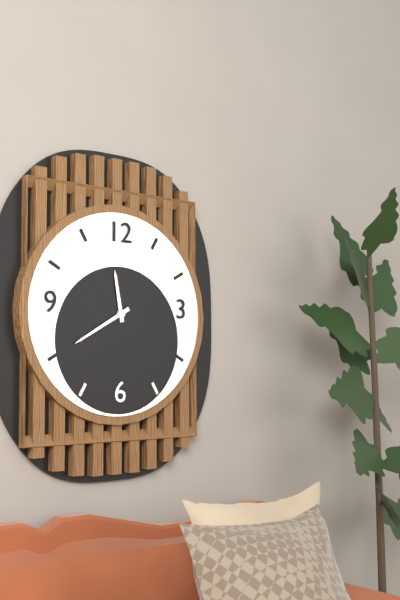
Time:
{"hour": 11, "minute": 40}
